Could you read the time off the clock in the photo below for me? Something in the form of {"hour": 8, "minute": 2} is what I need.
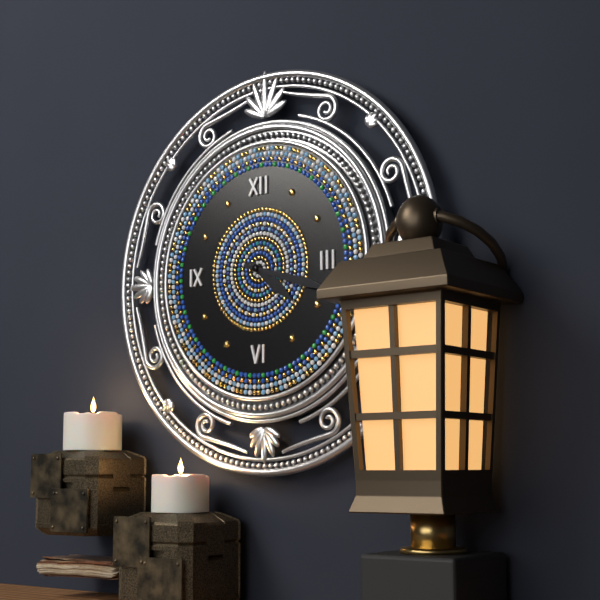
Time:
{"hour": 4, "minute": 18}
